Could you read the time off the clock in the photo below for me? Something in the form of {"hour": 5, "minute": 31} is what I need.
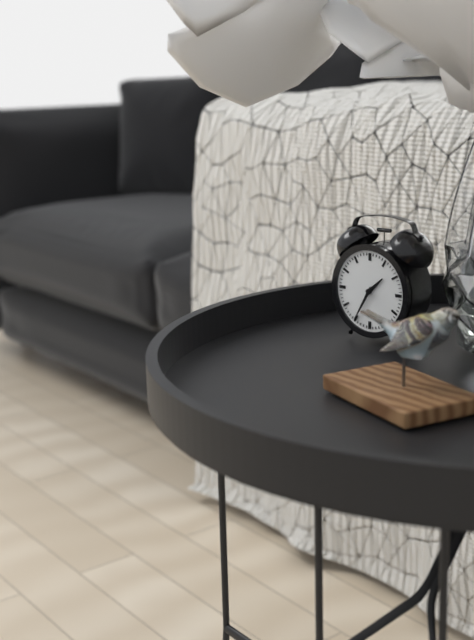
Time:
{"hour": 1, "minute": 35}
